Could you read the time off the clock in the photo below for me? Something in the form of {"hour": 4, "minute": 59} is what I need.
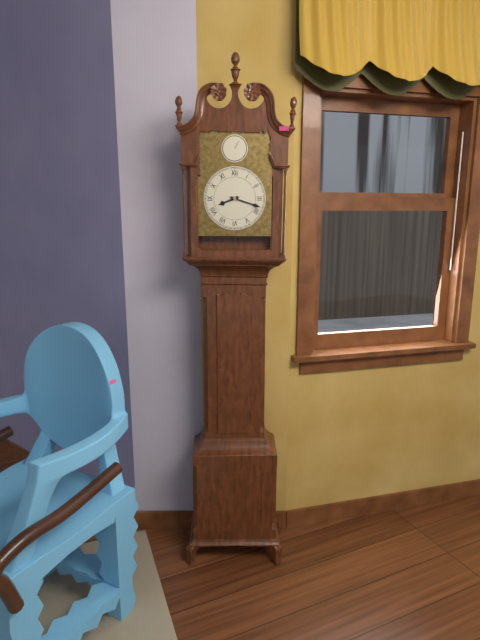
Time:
{"hour": 8, "minute": 18}
